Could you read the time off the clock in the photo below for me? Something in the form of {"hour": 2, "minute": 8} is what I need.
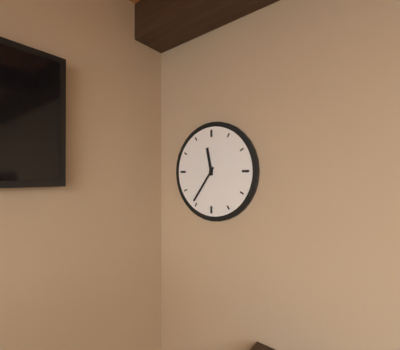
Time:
{"hour": 11, "minute": 36}
